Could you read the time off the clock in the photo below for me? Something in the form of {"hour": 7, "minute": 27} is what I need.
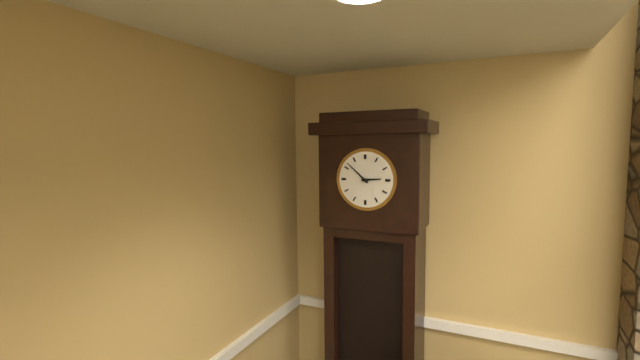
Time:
{"hour": 2, "minute": 52}
